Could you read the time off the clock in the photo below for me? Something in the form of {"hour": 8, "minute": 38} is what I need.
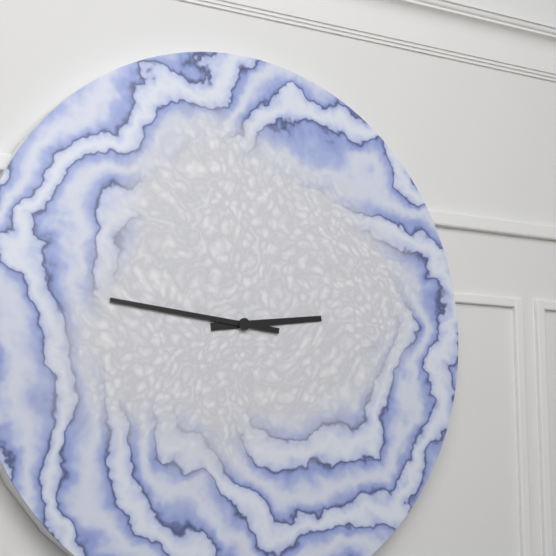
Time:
{"hour": 2, "minute": 46}
